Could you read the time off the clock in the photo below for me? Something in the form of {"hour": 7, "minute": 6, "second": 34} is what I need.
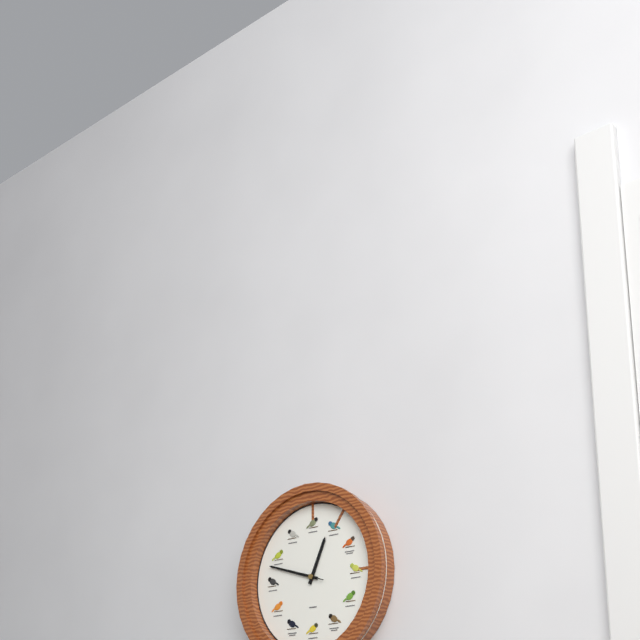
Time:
{"hour": 12, "minute": 48, "second": 48}
